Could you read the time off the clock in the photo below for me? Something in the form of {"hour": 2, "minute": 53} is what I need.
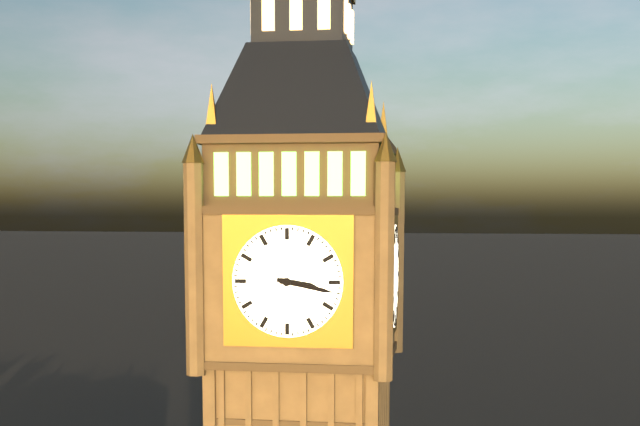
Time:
{"hour": 3, "minute": 17}
